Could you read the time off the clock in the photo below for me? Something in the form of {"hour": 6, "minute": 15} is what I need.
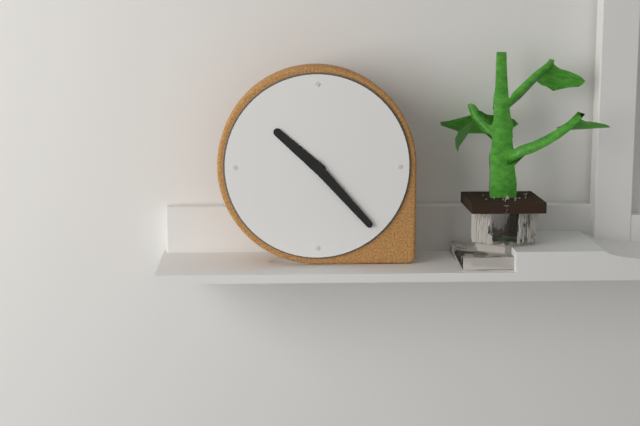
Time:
{"hour": 10, "minute": 23}
